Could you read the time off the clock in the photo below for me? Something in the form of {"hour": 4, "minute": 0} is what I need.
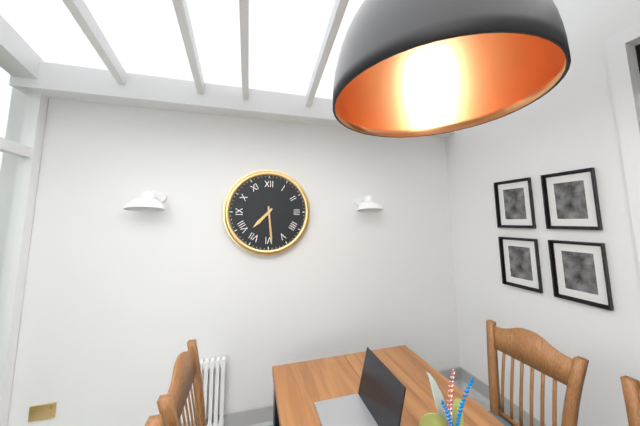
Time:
{"hour": 7, "minute": 29}
